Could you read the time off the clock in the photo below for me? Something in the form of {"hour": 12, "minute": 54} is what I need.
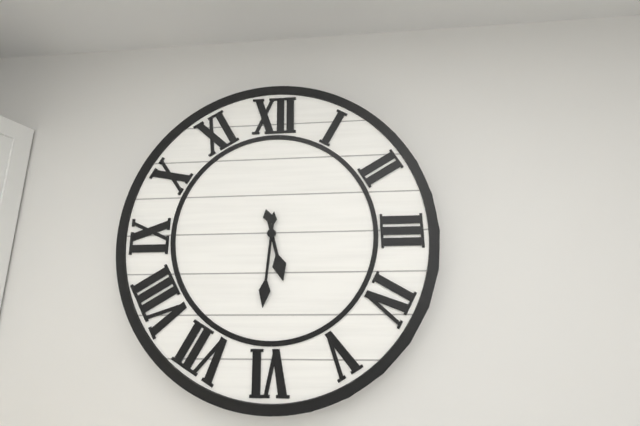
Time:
{"hour": 5, "minute": 31}
